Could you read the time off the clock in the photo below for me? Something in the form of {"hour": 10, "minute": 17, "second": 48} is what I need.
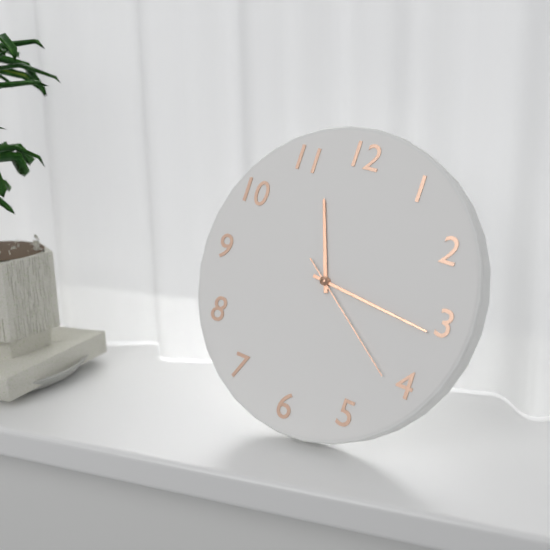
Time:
{"hour": 11, "minute": 16, "second": 21}
